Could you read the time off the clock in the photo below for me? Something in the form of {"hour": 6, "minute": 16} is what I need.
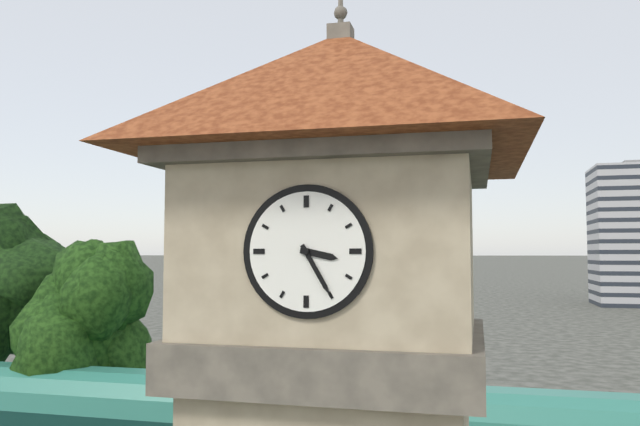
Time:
{"hour": 3, "minute": 25}
